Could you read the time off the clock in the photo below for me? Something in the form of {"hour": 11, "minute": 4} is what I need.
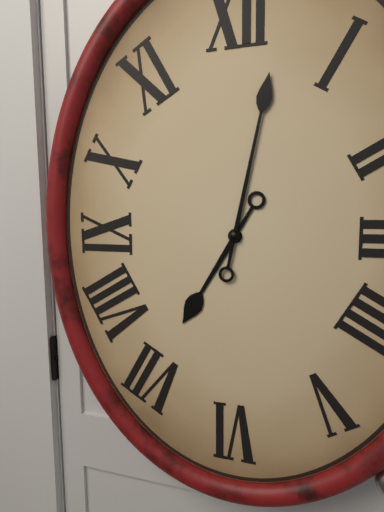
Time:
{"hour": 7, "minute": 2}
